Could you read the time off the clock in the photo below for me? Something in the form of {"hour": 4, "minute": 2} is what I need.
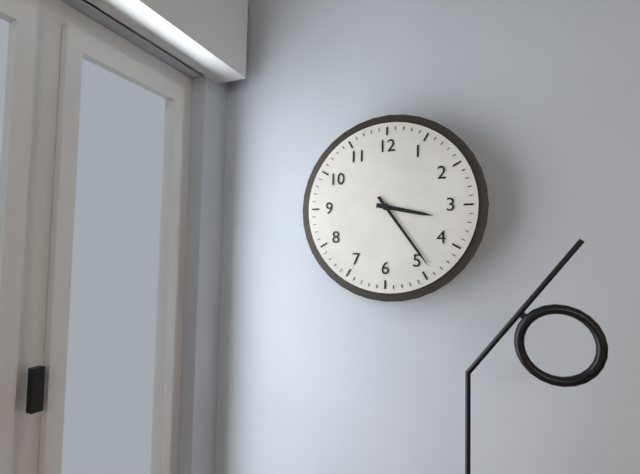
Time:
{"hour": 3, "minute": 24}
